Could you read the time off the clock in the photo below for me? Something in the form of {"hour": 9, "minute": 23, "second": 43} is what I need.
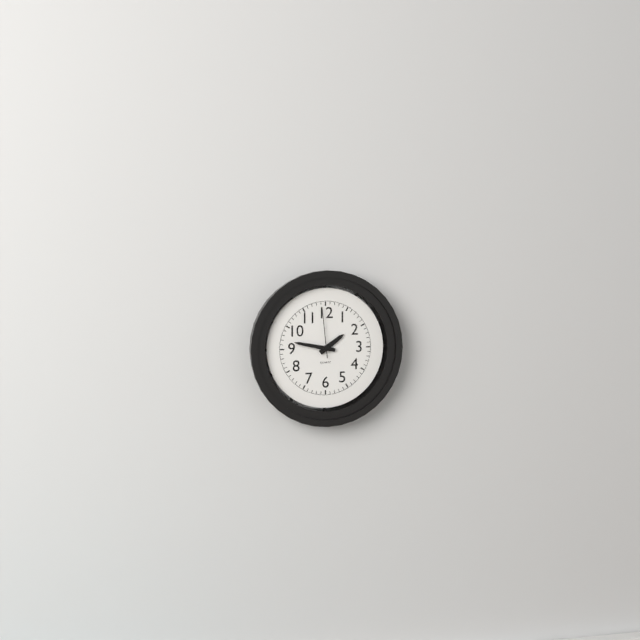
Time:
{"hour": 1, "minute": 47, "second": 59}
